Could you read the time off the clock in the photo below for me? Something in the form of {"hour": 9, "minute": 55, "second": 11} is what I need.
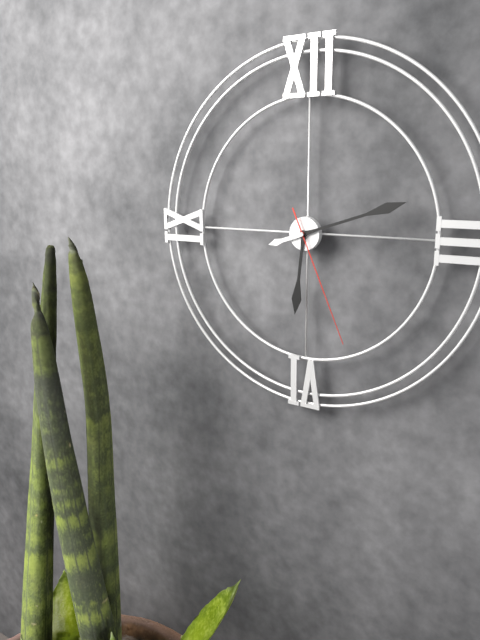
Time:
{"hour": 6, "minute": 12, "second": 26}
